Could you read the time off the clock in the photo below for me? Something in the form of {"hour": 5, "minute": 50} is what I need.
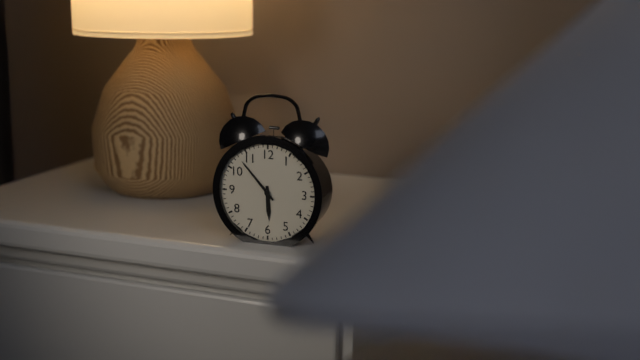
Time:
{"hour": 5, "minute": 53}
